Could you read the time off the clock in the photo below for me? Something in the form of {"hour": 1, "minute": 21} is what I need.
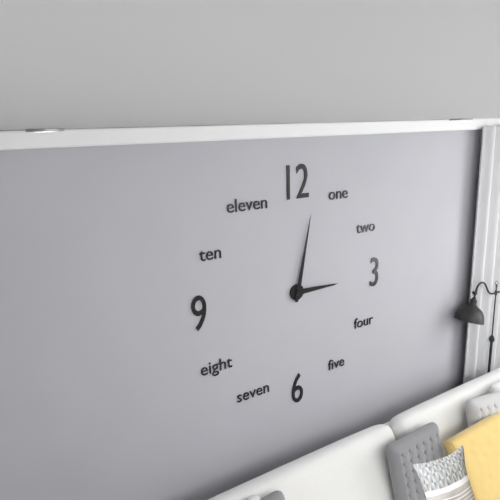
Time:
{"hour": 3, "minute": 2}
